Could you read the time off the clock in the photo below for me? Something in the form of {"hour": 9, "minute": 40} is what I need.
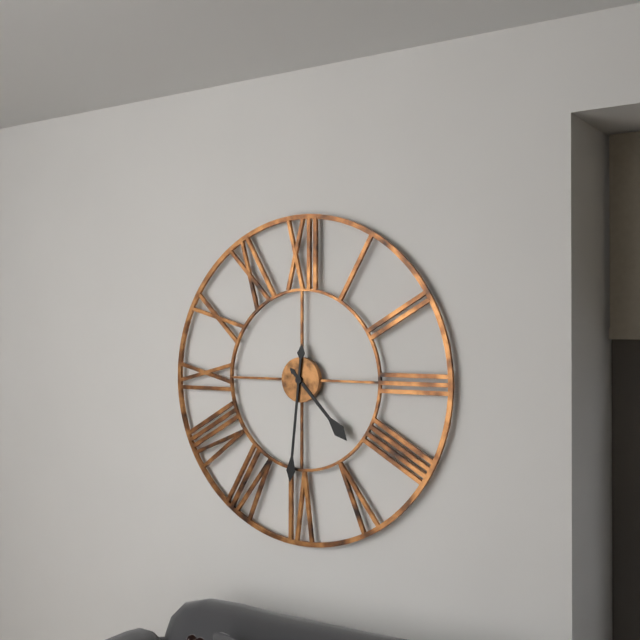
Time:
{"hour": 4, "minute": 31}
